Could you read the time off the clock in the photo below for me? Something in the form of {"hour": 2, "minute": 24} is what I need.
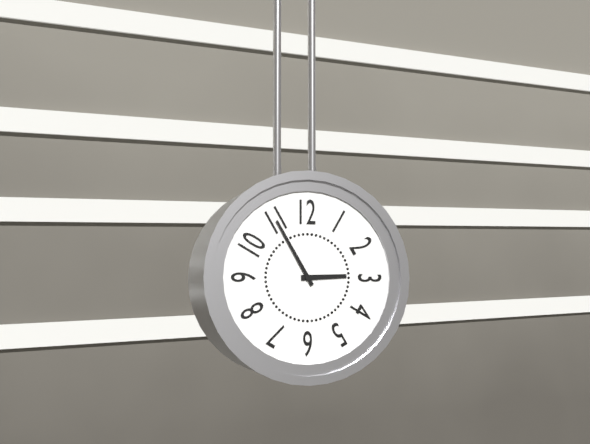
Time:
{"hour": 2, "minute": 55}
